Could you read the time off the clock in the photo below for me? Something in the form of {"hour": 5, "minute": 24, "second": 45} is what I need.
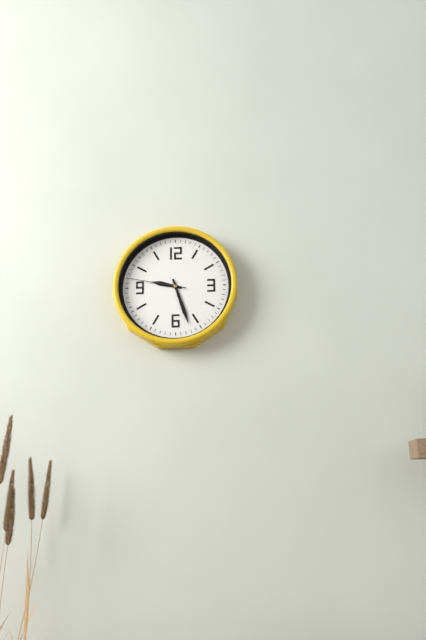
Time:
{"hour": 9, "minute": 27, "second": 47}
